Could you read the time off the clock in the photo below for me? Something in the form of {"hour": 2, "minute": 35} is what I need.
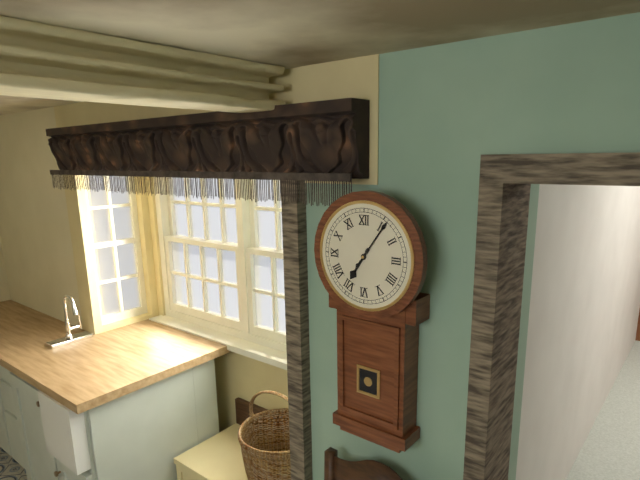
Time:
{"hour": 7, "minute": 6}
